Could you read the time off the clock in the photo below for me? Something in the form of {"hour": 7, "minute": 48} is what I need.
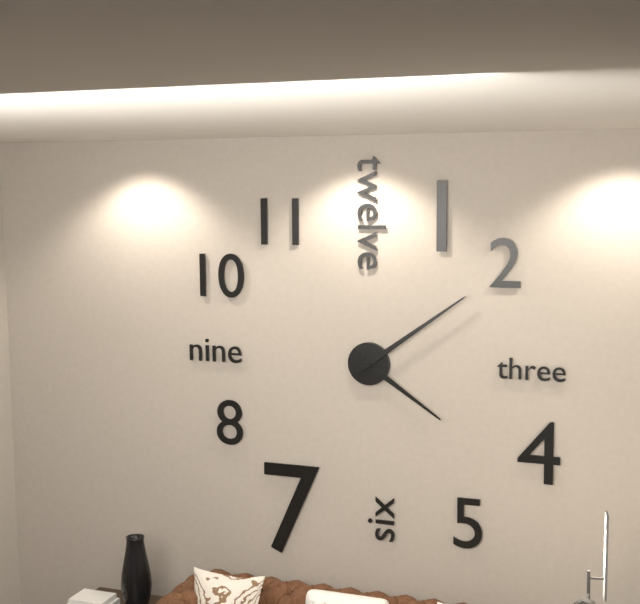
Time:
{"hour": 4, "minute": 9}
